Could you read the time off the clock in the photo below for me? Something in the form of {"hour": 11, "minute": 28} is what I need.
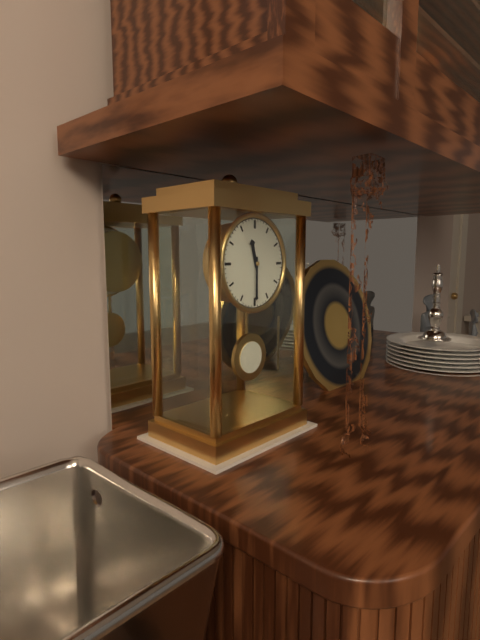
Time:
{"hour": 11, "minute": 30}
